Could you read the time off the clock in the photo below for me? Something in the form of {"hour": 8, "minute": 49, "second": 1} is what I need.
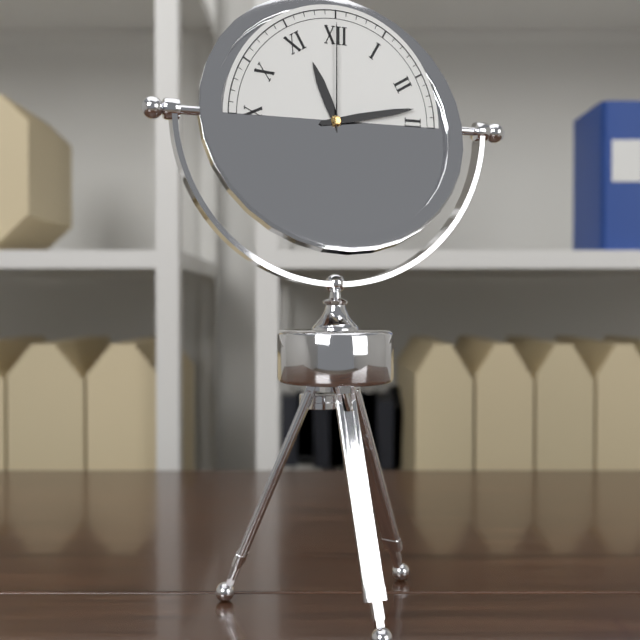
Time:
{"hour": 11, "minute": 13, "second": 0}
